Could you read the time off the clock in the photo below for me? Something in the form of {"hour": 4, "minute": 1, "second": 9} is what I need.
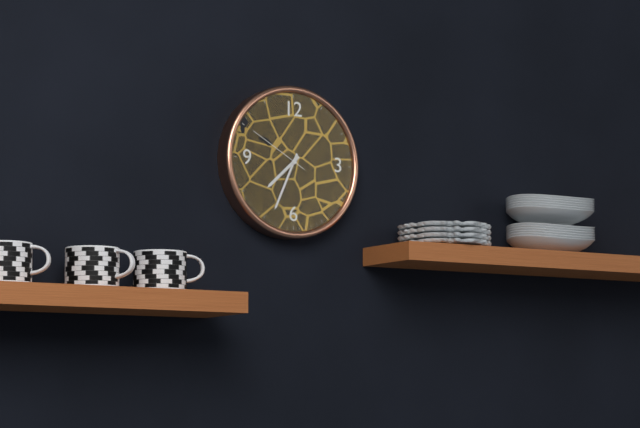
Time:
{"hour": 7, "minute": 34, "second": 50}
